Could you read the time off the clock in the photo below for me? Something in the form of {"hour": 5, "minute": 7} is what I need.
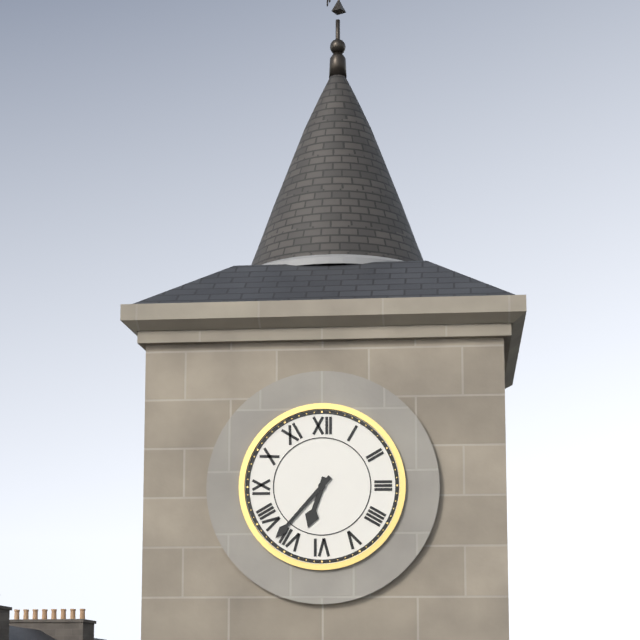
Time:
{"hour": 6, "minute": 37}
